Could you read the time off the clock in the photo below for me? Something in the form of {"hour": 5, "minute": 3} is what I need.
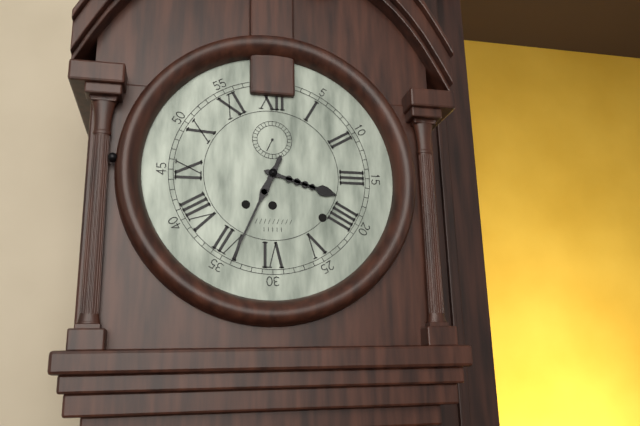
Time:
{"hour": 3, "minute": 34}
